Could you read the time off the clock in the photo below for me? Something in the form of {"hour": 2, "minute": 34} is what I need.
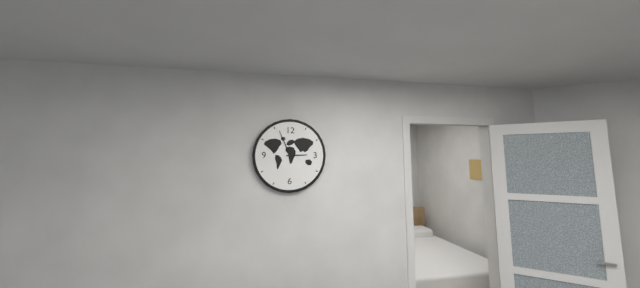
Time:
{"hour": 2, "minute": 56}
